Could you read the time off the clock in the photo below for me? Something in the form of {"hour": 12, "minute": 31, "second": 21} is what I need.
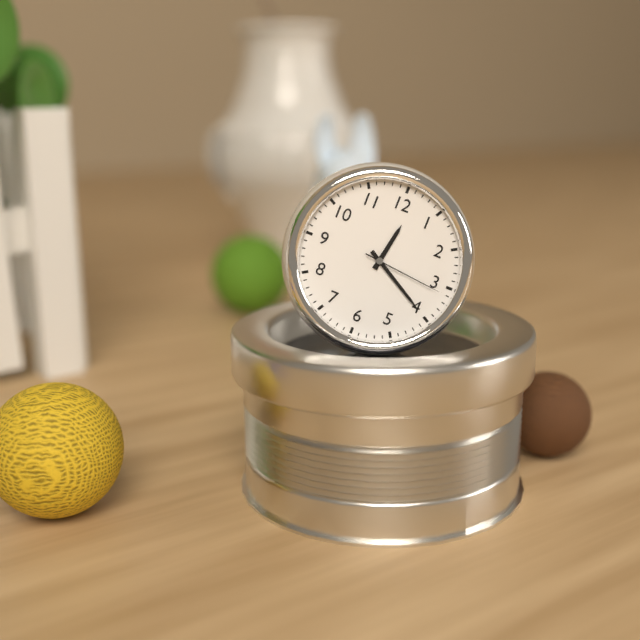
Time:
{"hour": 12, "minute": 20, "second": 16}
